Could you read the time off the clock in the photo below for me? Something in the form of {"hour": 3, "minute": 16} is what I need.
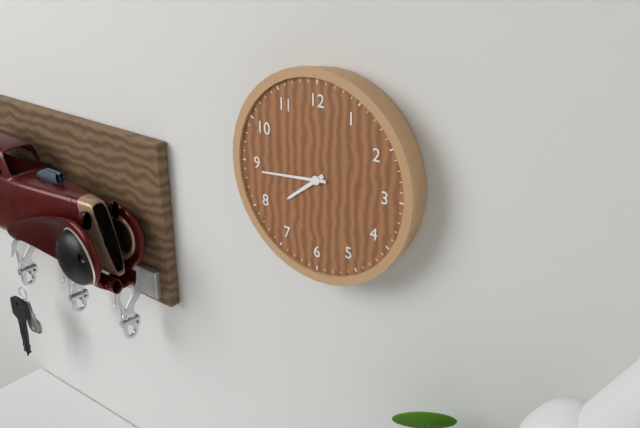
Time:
{"hour": 7, "minute": 44}
